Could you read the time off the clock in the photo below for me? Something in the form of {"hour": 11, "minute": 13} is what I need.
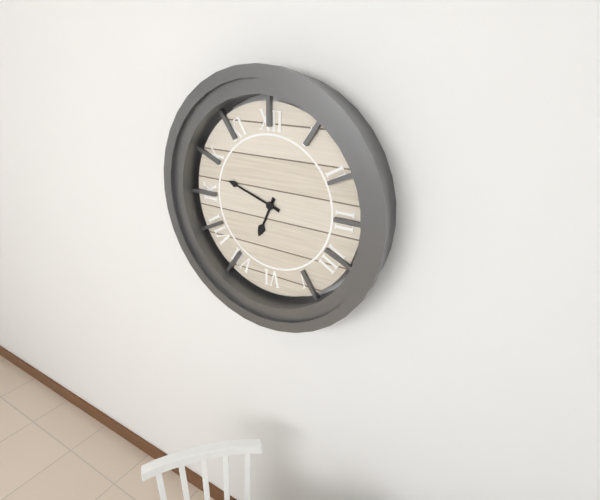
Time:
{"hour": 6, "minute": 48}
